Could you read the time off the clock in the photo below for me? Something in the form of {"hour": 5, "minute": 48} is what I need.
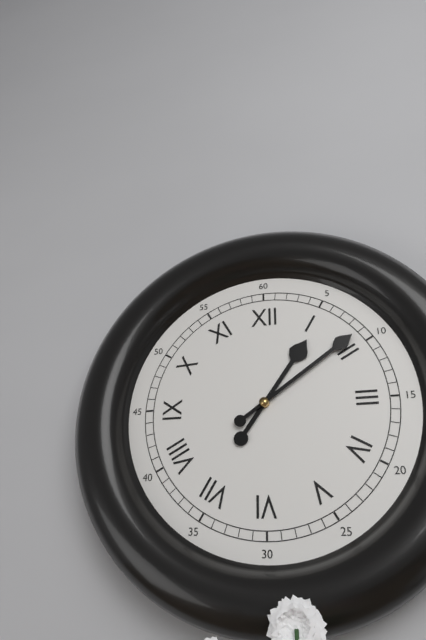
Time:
{"hour": 1, "minute": 9}
